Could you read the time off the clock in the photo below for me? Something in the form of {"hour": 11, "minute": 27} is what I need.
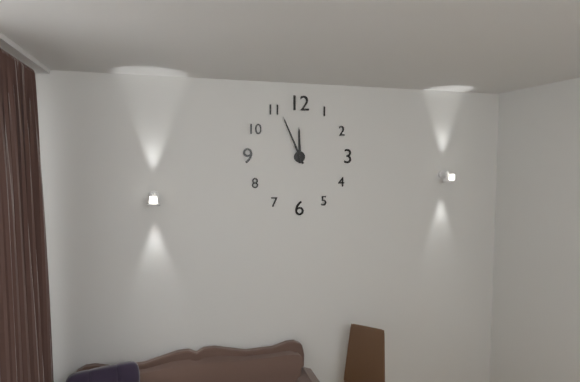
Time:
{"hour": 11, "minute": 56}
